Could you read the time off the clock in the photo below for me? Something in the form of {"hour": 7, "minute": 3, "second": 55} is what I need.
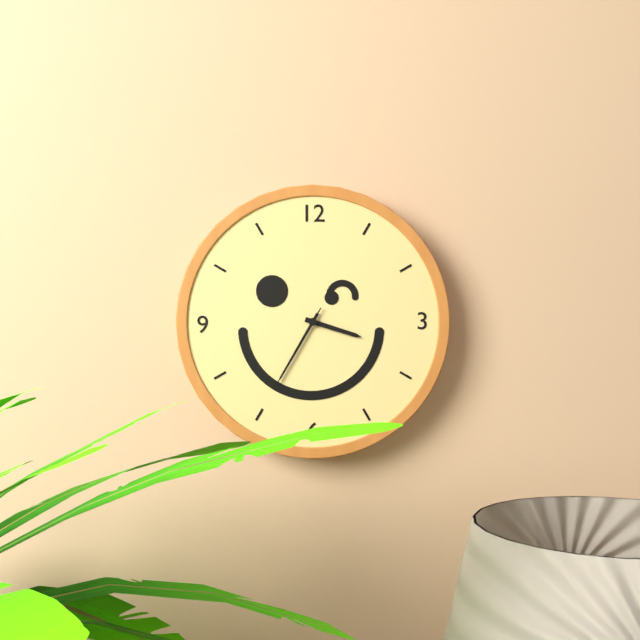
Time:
{"hour": 3, "minute": 35, "second": 35}
